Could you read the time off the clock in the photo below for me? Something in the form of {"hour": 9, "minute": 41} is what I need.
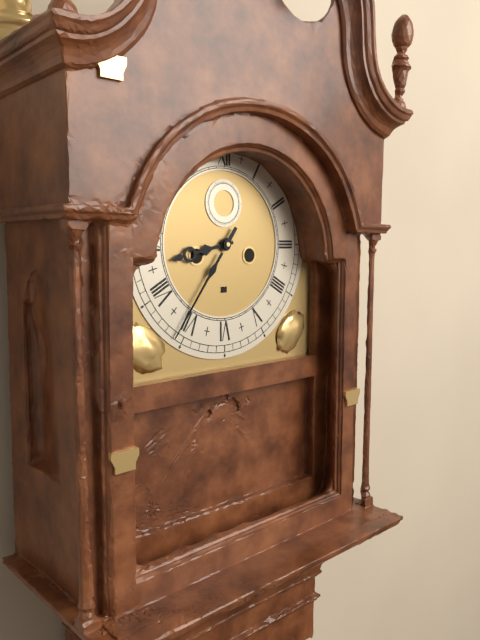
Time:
{"hour": 8, "minute": 36}
